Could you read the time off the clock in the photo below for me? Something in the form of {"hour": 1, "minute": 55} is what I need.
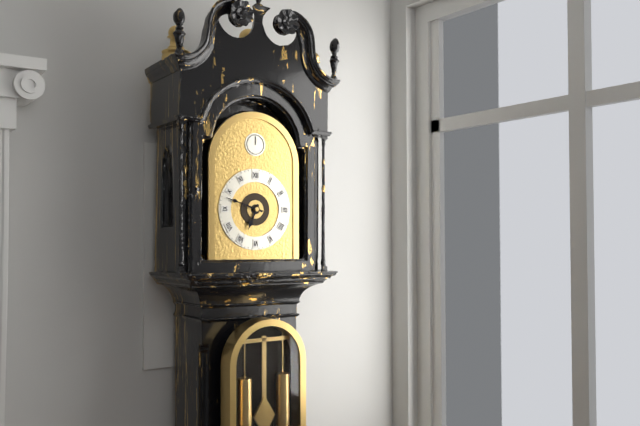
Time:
{"hour": 6, "minute": 48}
